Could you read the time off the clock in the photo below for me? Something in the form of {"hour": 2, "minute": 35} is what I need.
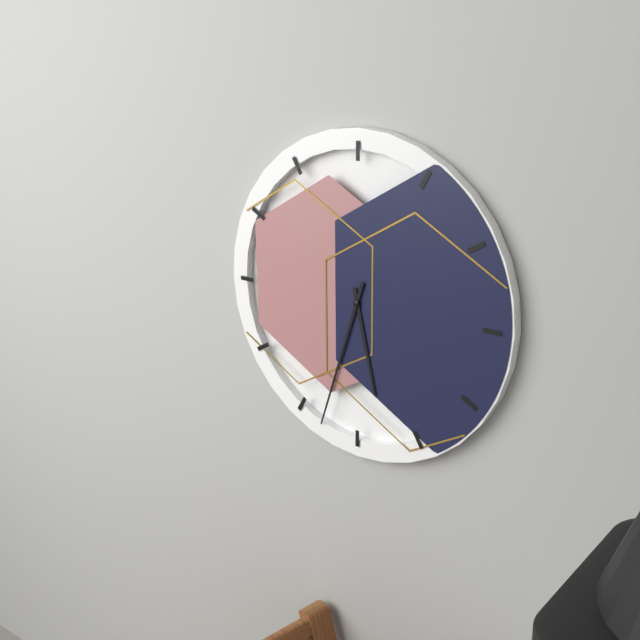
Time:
{"hour": 5, "minute": 33}
